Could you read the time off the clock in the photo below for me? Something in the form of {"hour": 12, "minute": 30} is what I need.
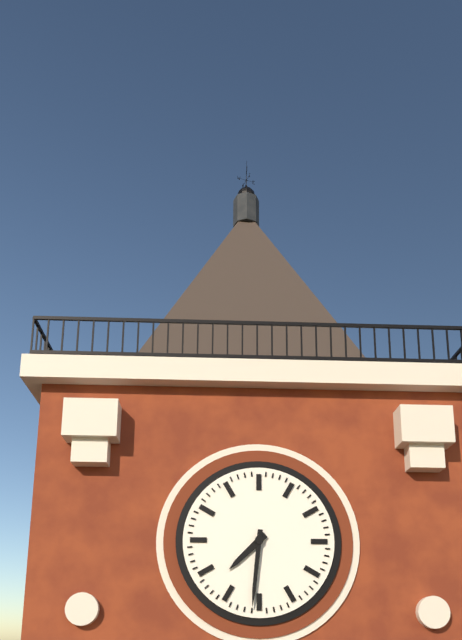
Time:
{"hour": 7, "minute": 31}
